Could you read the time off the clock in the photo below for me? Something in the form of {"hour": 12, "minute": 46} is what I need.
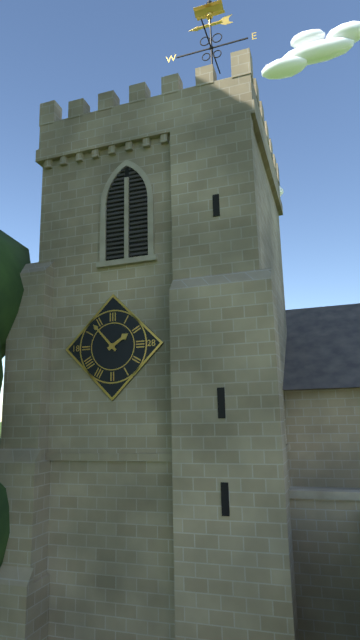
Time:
{"hour": 1, "minute": 53}
